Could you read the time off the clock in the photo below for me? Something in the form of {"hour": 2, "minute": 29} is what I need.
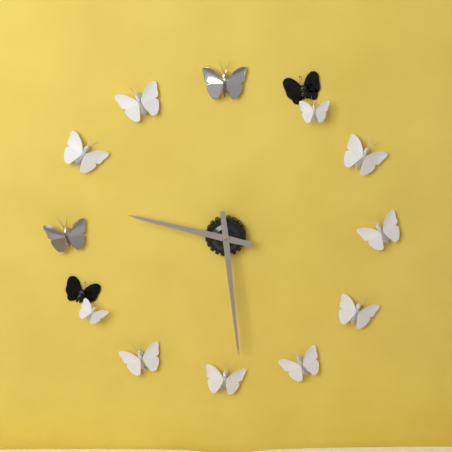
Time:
{"hour": 9, "minute": 29}
